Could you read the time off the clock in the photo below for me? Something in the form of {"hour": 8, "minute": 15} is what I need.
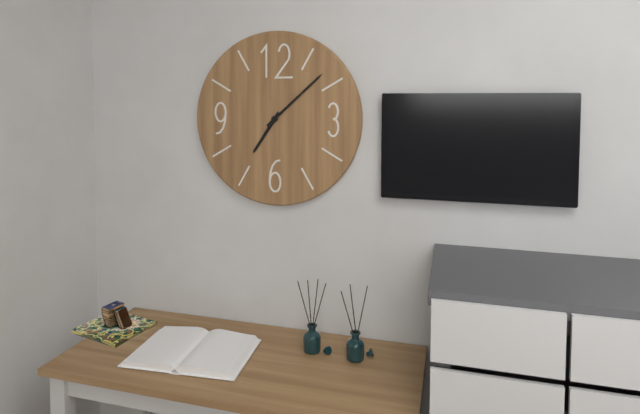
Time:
{"hour": 7, "minute": 8}
